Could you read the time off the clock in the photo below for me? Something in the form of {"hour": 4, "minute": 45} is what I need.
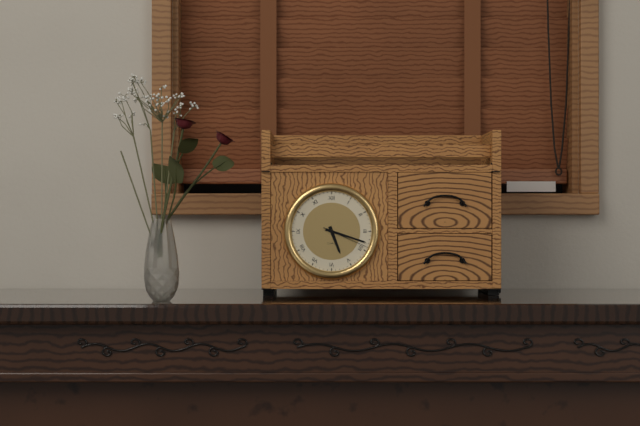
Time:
{"hour": 5, "minute": 18}
